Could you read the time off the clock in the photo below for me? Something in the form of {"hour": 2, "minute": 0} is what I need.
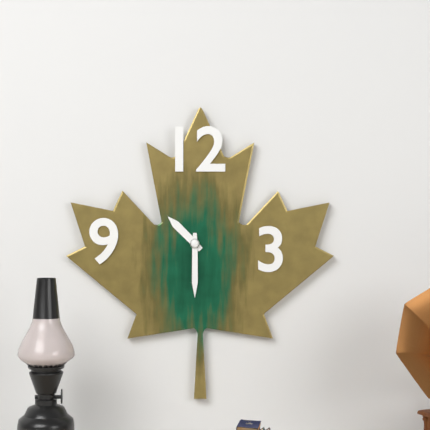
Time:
{"hour": 10, "minute": 30}
